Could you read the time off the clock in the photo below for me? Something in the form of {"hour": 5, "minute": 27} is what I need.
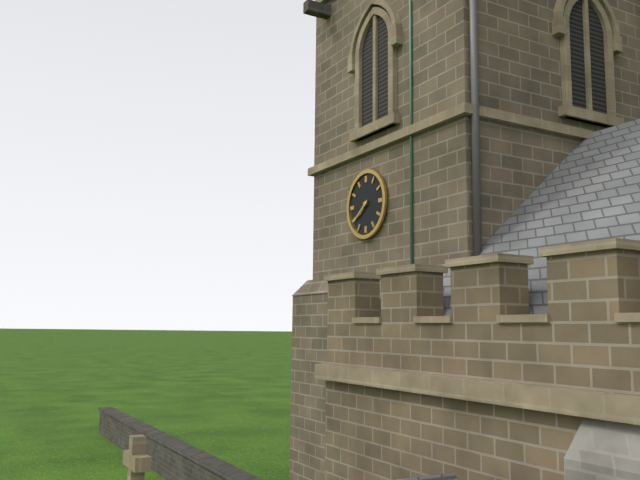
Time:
{"hour": 7, "minute": 39}
